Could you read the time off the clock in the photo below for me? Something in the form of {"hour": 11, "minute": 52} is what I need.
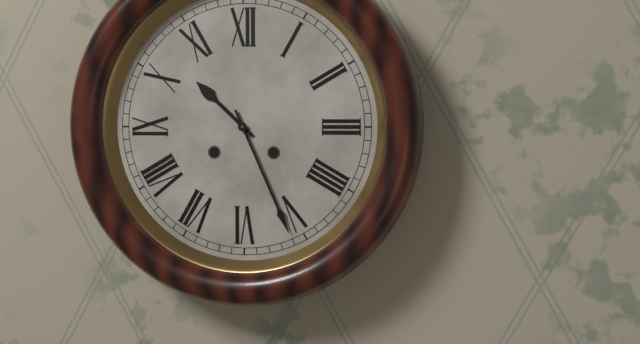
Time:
{"hour": 10, "minute": 26}
